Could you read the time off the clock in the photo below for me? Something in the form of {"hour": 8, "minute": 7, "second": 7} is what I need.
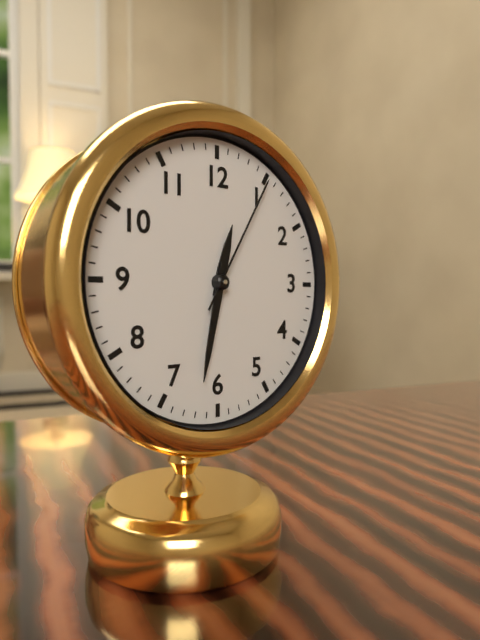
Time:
{"hour": 12, "minute": 32, "second": 5}
